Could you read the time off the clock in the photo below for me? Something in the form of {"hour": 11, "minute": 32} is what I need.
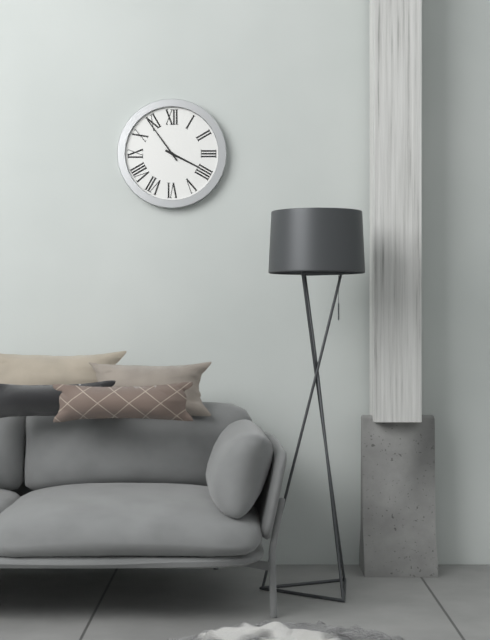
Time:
{"hour": 3, "minute": 54}
